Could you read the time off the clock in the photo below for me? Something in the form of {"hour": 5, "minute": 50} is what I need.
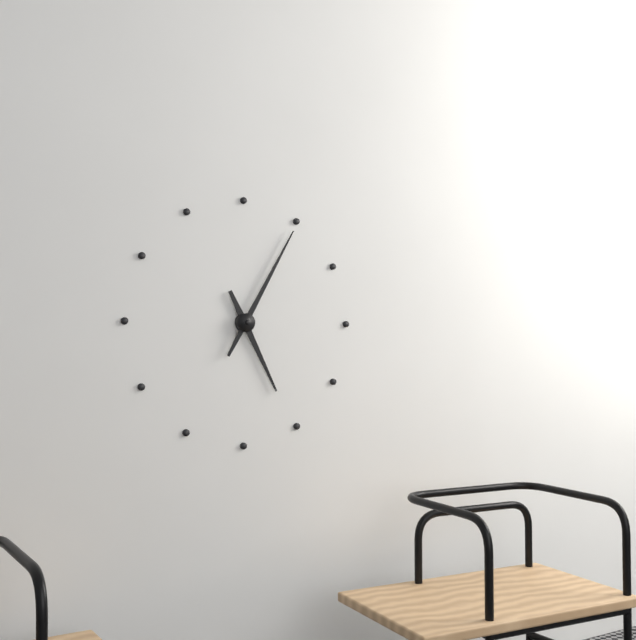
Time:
{"hour": 5, "minute": 5}
